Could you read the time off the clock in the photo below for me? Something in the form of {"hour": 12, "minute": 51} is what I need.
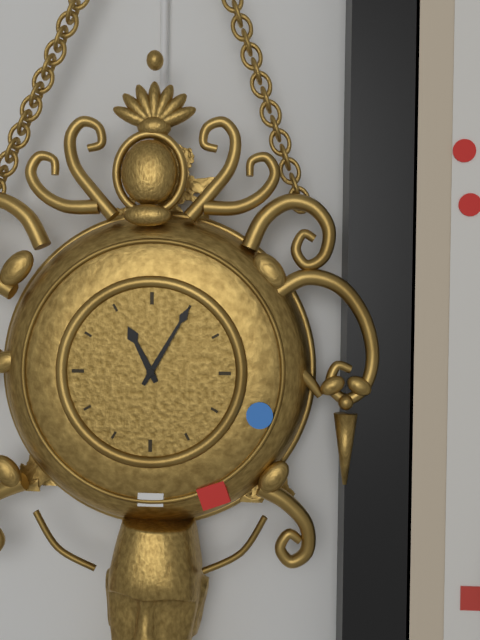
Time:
{"hour": 11, "minute": 5}
